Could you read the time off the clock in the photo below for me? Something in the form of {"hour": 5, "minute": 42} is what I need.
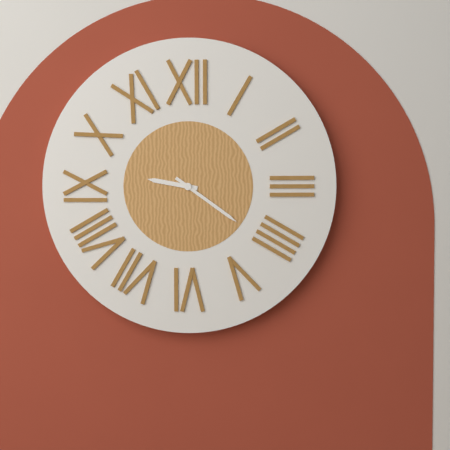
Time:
{"hour": 9, "minute": 21}
